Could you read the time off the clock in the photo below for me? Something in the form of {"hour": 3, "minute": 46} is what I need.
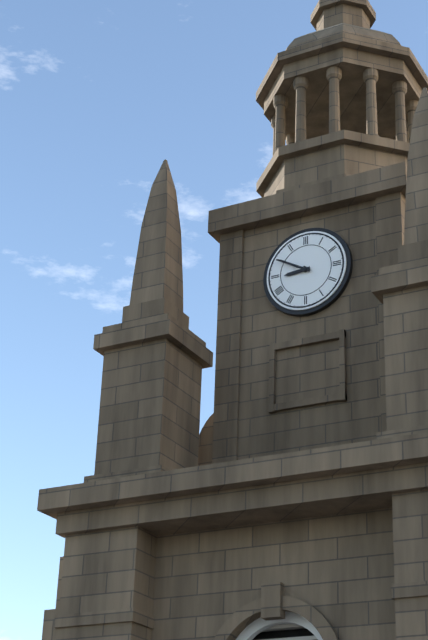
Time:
{"hour": 8, "minute": 50}
